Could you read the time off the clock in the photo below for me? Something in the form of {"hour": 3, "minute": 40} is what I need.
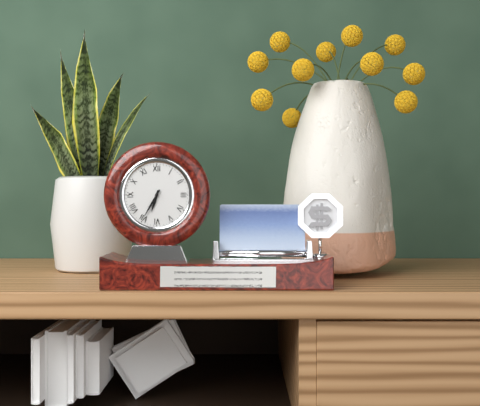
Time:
{"hour": 6, "minute": 35}
